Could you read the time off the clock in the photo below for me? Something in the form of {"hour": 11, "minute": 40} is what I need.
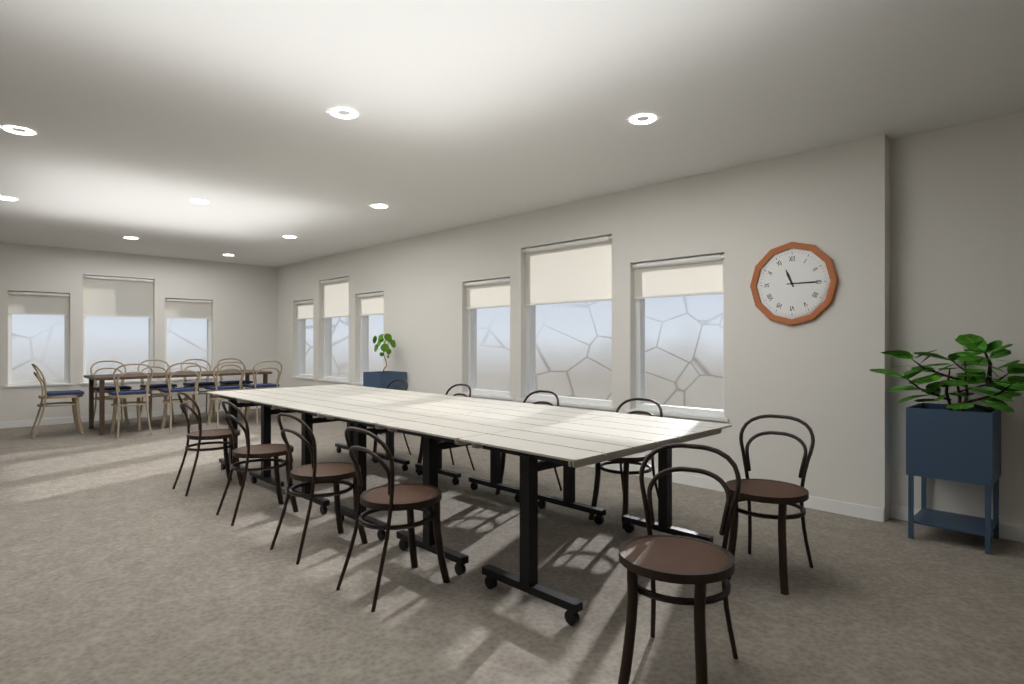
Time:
{"hour": 11, "minute": 15}
